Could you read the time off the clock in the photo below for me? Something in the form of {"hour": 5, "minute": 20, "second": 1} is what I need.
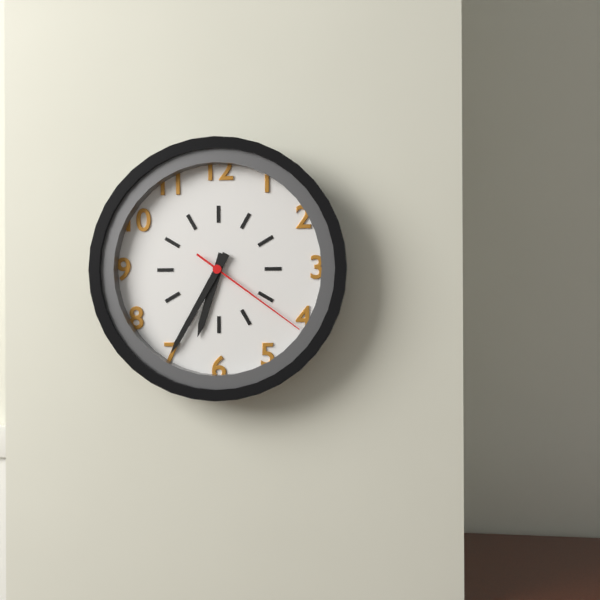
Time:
{"hour": 6, "minute": 35, "second": 21}
